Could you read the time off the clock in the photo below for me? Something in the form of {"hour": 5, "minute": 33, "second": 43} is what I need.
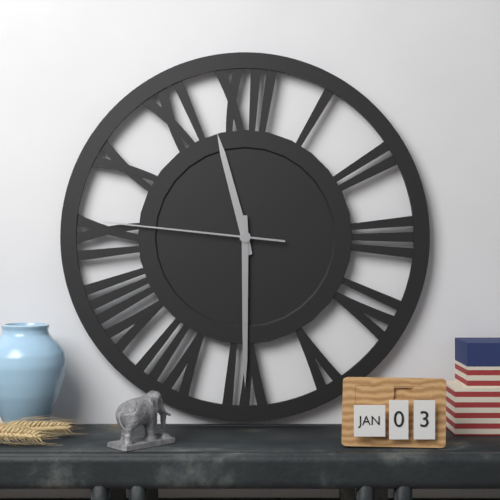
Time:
{"hour": 11, "minute": 30, "second": 46}
